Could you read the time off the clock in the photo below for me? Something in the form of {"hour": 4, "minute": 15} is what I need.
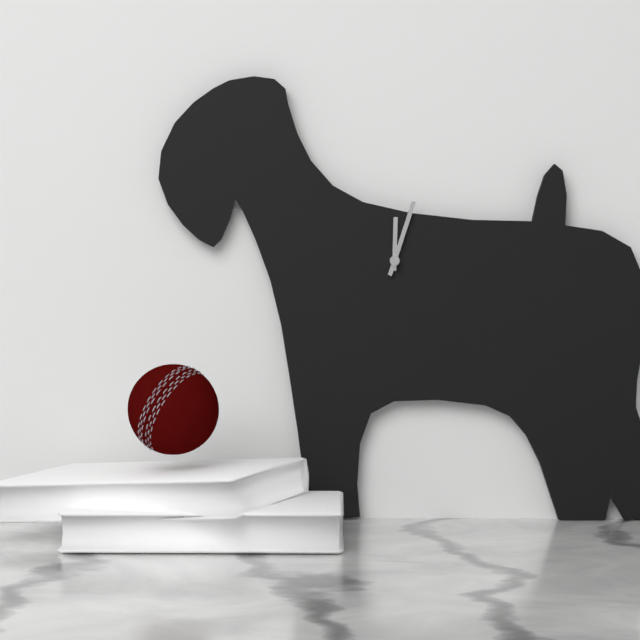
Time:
{"hour": 12, "minute": 3}
